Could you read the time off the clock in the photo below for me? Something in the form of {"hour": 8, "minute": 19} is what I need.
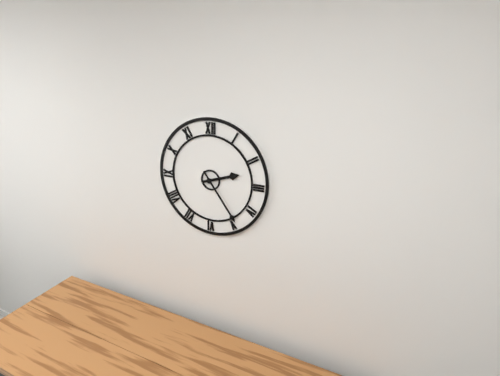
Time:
{"hour": 2, "minute": 24}
